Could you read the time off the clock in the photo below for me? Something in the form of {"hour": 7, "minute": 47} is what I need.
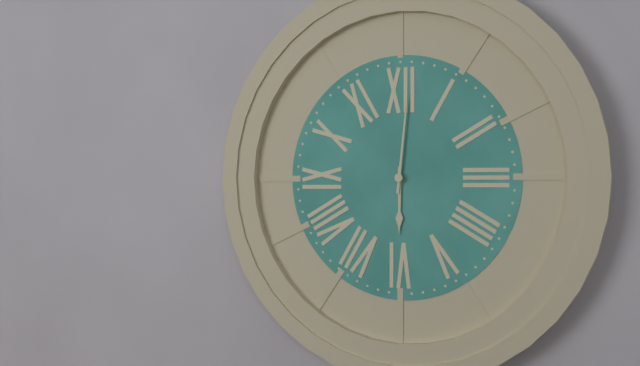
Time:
{"hour": 6, "minute": 1}
